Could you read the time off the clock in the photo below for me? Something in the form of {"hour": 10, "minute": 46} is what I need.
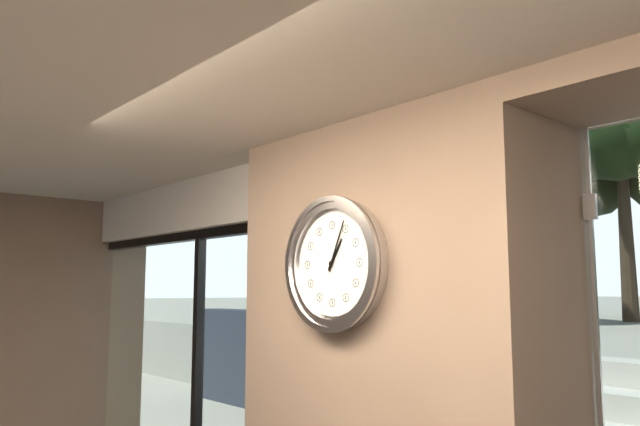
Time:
{"hour": 1, "minute": 4}
